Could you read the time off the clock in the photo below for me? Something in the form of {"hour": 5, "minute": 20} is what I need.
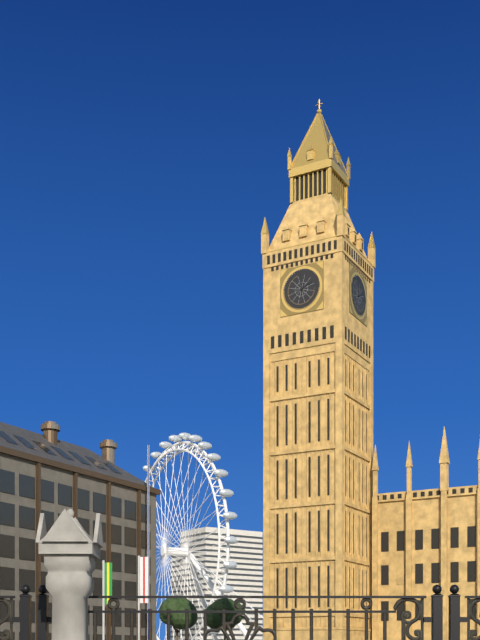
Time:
{"hour": 1, "minute": 59}
